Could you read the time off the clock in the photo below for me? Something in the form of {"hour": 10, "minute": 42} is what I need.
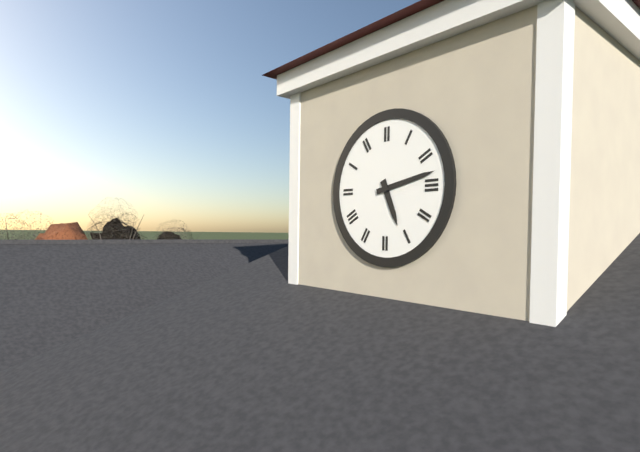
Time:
{"hour": 5, "minute": 13}
